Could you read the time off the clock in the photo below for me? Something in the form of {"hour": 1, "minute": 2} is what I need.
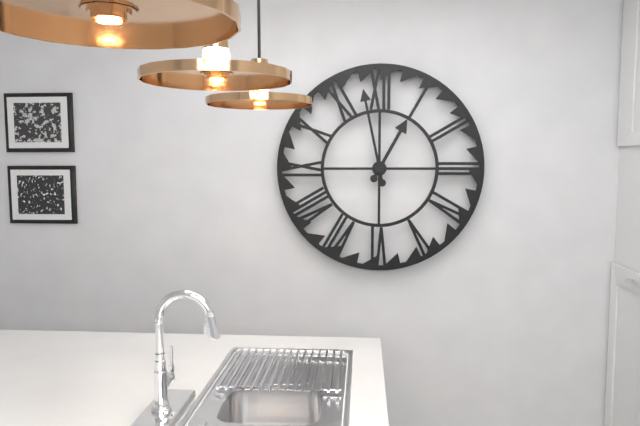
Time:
{"hour": 12, "minute": 58}
